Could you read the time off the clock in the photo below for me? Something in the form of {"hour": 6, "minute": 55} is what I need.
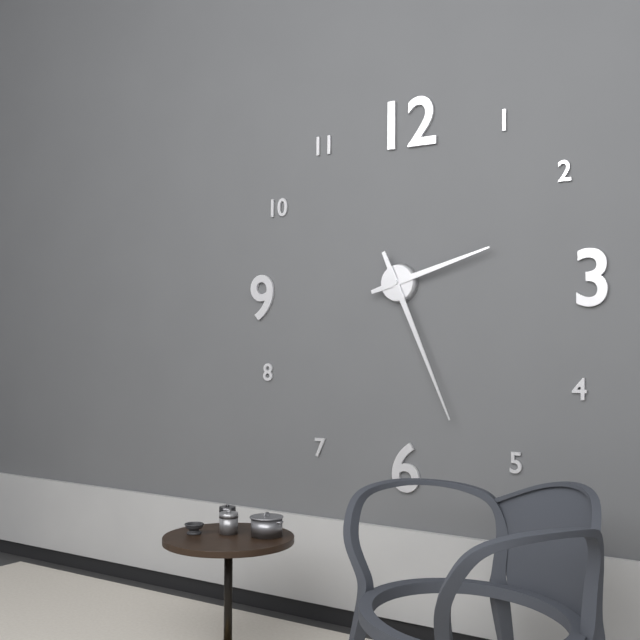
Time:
{"hour": 2, "minute": 26}
